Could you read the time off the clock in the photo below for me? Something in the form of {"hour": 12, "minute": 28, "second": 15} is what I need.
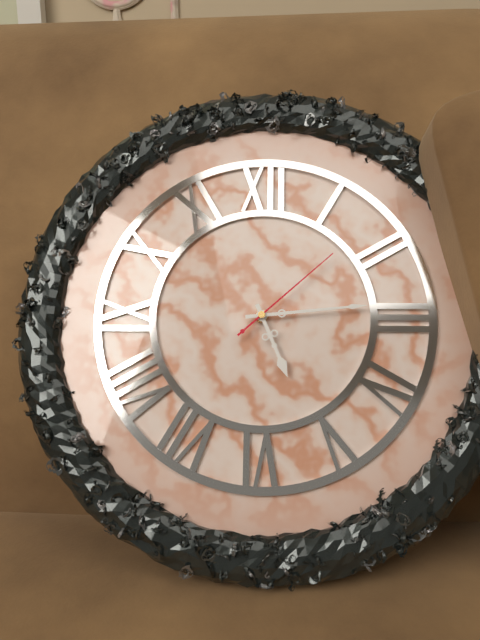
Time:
{"hour": 5, "minute": 14, "second": 8}
